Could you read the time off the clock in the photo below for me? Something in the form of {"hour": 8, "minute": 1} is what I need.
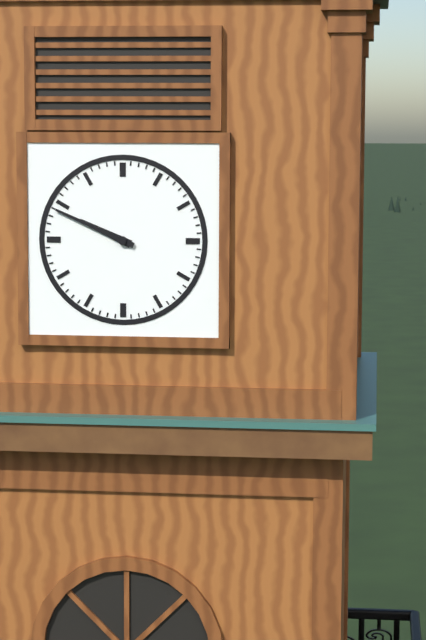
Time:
{"hour": 9, "minute": 49}
